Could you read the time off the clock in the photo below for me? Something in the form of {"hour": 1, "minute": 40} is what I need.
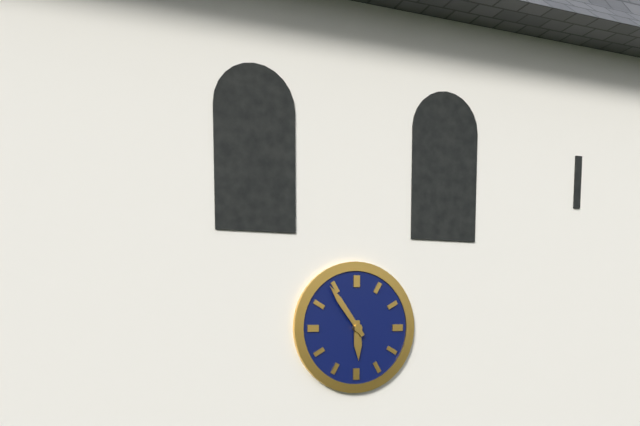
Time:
{"hour": 5, "minute": 54}
